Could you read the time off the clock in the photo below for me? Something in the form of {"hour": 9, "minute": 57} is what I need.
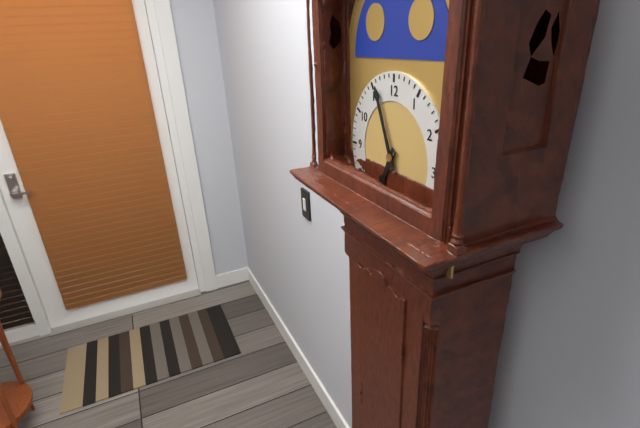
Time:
{"hour": 6, "minute": 56}
